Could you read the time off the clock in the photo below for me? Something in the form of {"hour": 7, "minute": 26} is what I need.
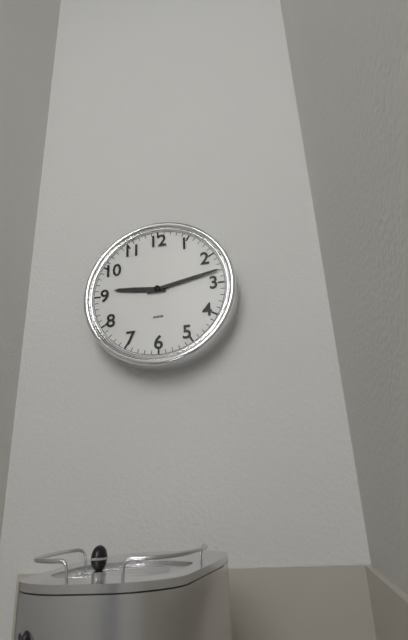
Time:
{"hour": 9, "minute": 13}
